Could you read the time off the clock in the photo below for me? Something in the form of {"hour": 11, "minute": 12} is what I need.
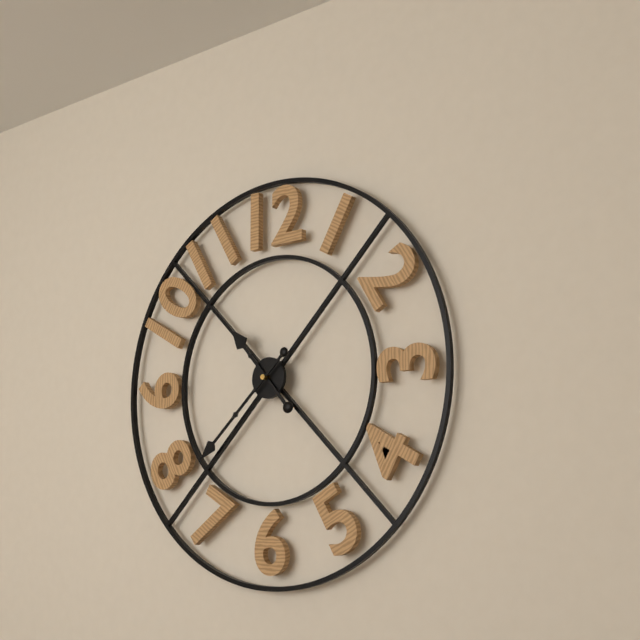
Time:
{"hour": 10, "minute": 38}
